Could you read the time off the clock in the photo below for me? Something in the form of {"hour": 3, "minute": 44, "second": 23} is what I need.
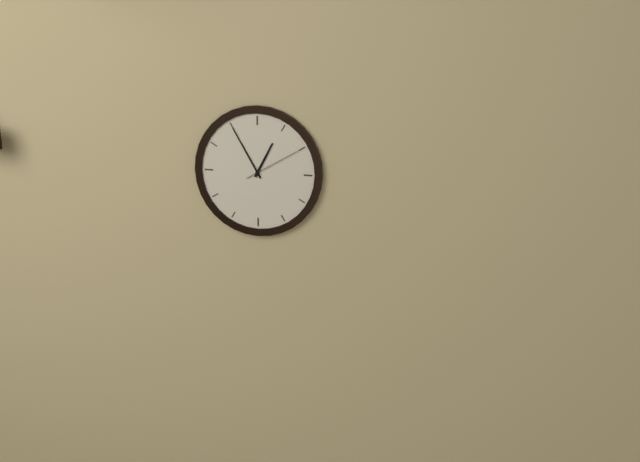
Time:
{"hour": 12, "minute": 55, "second": 10}
